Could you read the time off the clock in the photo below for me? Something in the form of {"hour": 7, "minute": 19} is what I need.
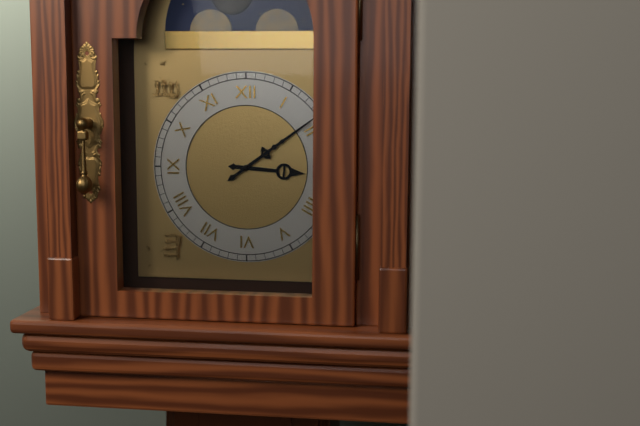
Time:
{"hour": 3, "minute": 9}
